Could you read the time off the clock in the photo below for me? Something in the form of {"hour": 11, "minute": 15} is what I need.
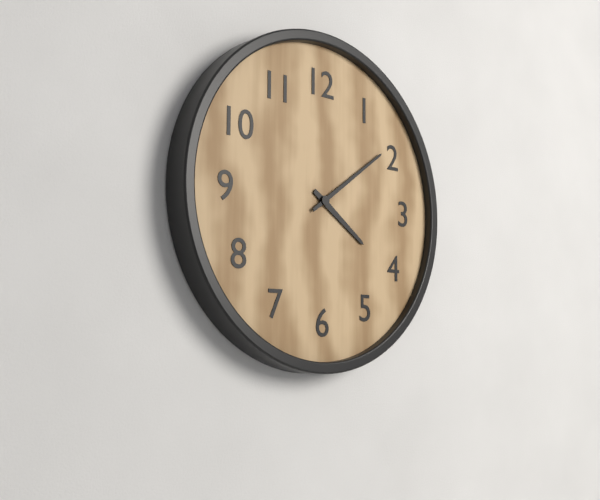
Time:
{"hour": 4, "minute": 9}
